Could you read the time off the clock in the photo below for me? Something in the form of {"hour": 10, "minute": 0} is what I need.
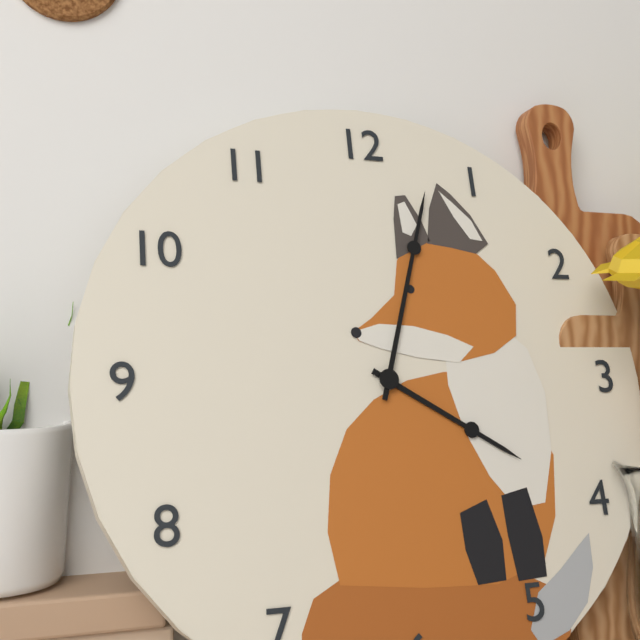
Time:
{"hour": 4, "minute": 3}
